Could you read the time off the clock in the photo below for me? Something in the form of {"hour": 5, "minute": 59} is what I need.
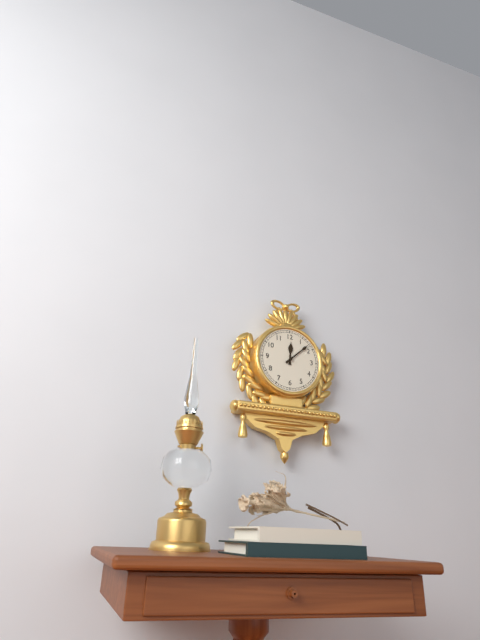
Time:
{"hour": 12, "minute": 8}
